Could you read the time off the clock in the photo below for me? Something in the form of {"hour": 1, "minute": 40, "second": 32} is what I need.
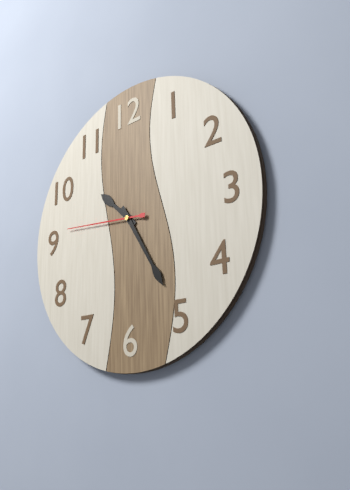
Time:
{"hour": 10, "minute": 25, "second": 46}
